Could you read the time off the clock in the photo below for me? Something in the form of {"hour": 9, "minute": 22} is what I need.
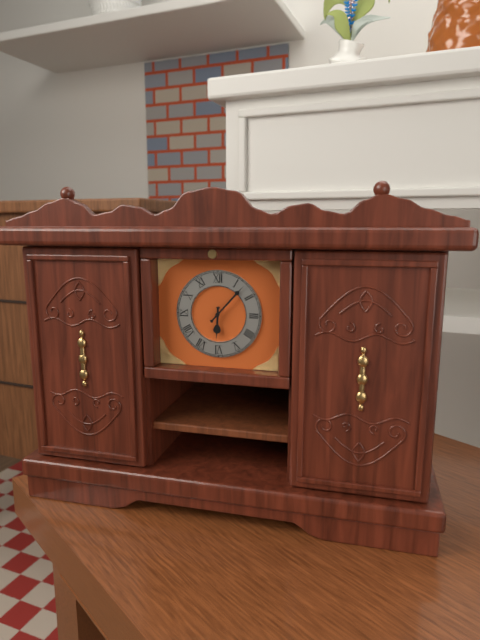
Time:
{"hour": 6, "minute": 7}
